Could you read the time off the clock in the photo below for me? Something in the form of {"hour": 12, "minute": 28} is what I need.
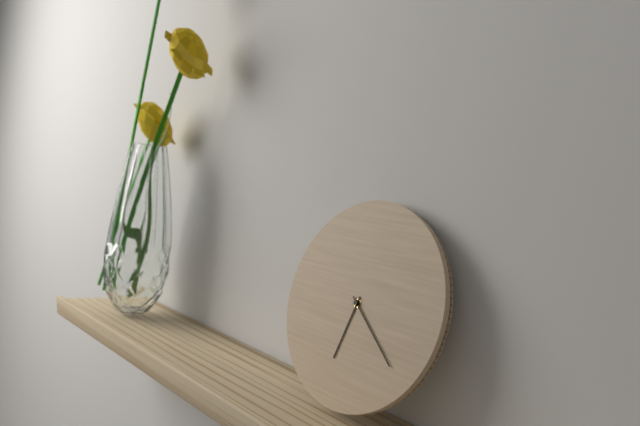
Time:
{"hour": 6, "minute": 21}
